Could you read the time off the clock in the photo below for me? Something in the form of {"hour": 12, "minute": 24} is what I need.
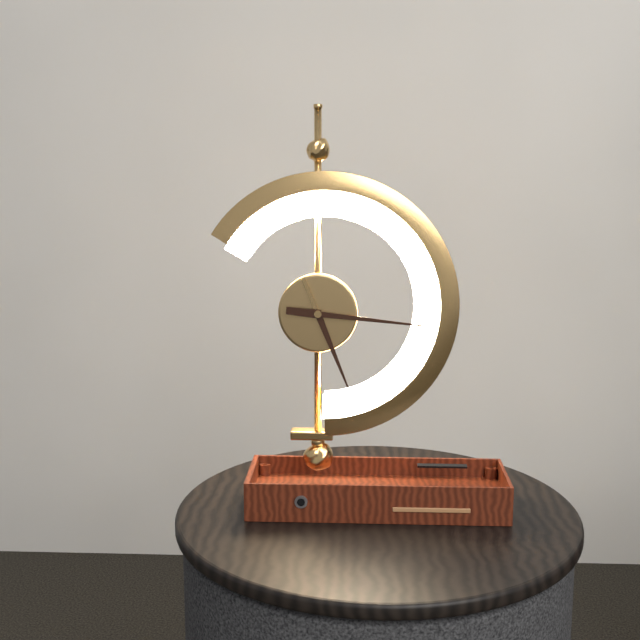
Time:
{"hour": 5, "minute": 16}
